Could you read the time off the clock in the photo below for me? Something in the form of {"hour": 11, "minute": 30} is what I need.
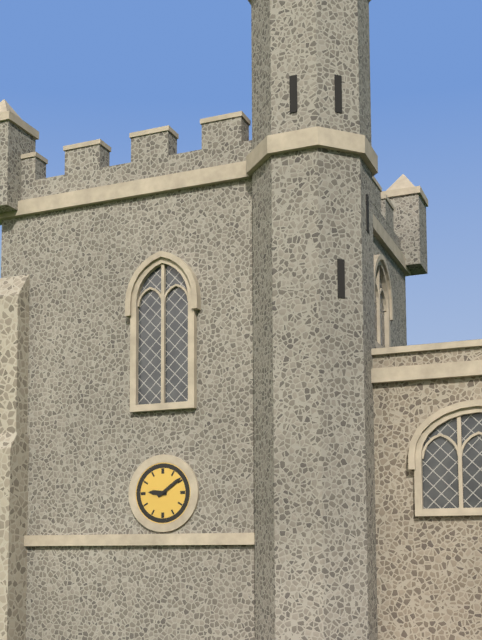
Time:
{"hour": 9, "minute": 9}
